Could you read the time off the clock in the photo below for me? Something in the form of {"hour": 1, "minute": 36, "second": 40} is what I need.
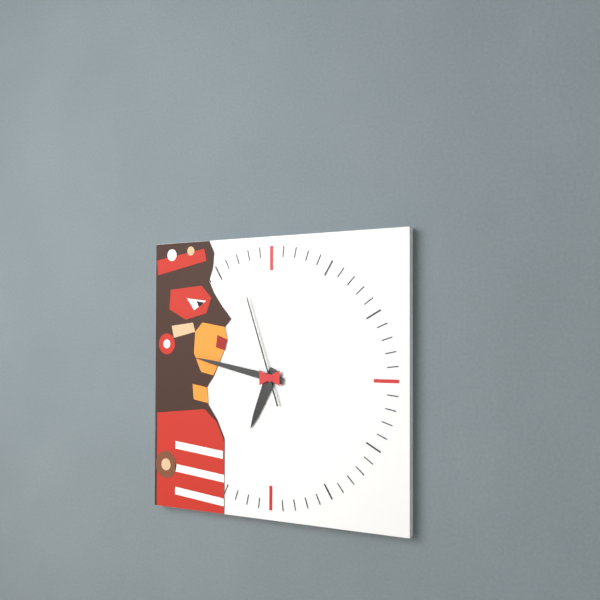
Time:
{"hour": 6, "minute": 47, "second": 57}
